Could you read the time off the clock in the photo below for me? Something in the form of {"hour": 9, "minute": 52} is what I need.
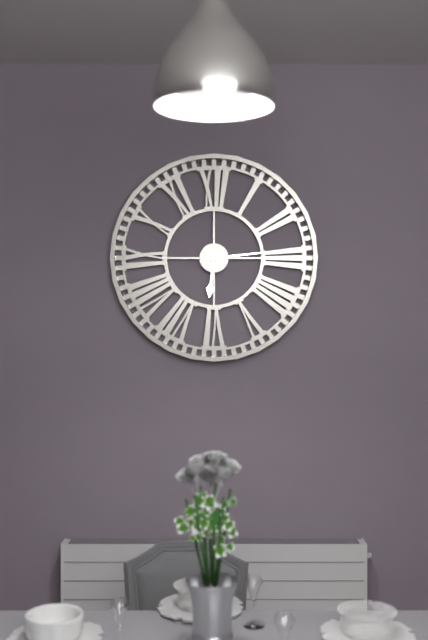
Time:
{"hour": 6, "minute": 14}
